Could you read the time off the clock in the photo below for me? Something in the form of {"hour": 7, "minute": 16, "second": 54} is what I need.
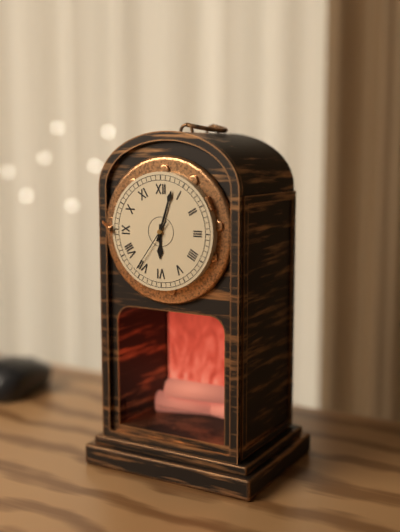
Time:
{"hour": 6, "minute": 3, "second": 36}
